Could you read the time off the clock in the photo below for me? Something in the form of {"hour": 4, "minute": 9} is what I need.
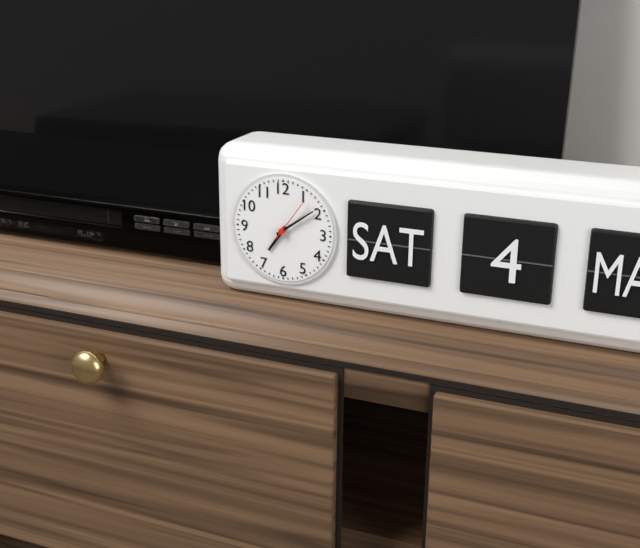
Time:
{"hour": 7, "minute": 9}
